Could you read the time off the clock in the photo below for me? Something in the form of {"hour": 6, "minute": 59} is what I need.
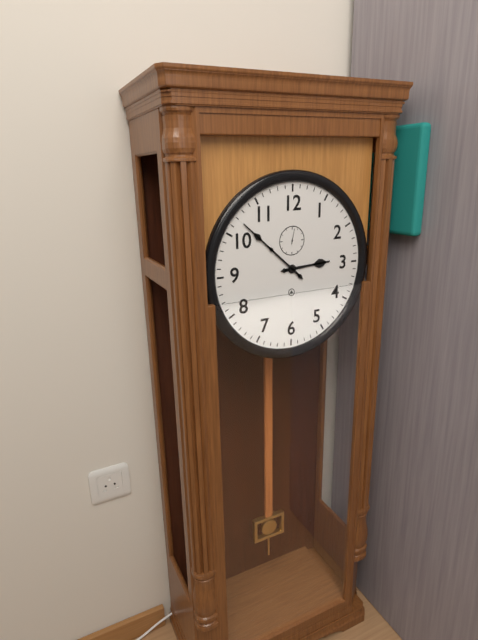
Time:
{"hour": 2, "minute": 52}
